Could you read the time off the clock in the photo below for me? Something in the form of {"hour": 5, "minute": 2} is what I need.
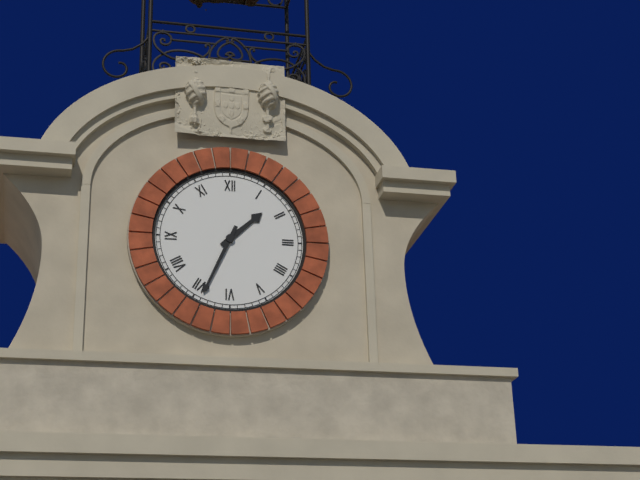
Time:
{"hour": 1, "minute": 34}
